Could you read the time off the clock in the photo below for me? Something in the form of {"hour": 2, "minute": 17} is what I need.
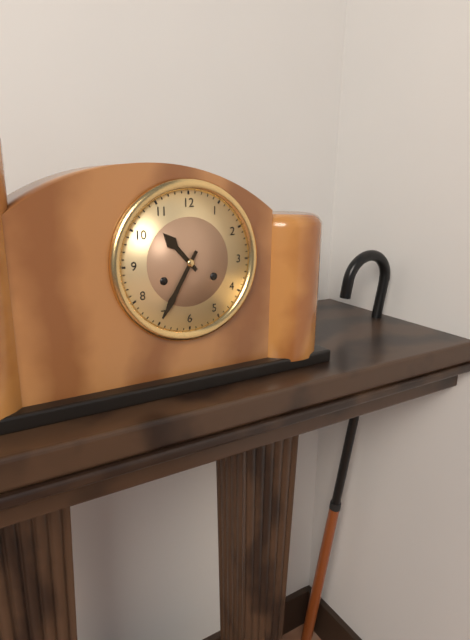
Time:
{"hour": 10, "minute": 35}
